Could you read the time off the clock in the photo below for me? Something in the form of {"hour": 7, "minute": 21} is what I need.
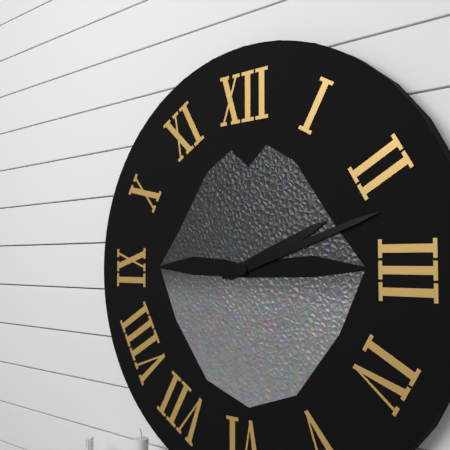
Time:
{"hour": 2, "minute": 12}
